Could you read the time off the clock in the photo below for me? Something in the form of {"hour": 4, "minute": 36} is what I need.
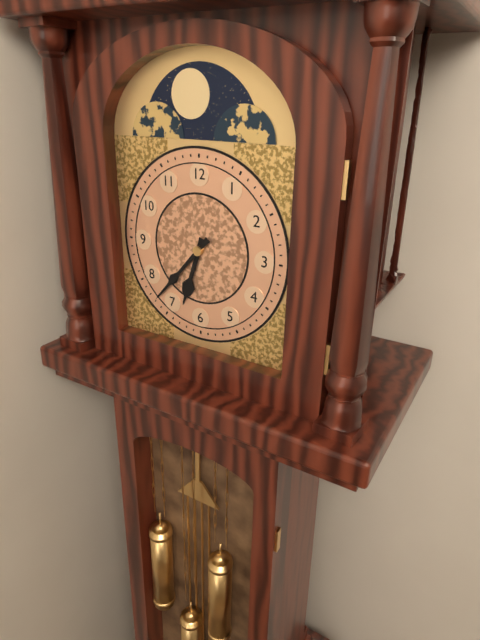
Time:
{"hour": 6, "minute": 37}
